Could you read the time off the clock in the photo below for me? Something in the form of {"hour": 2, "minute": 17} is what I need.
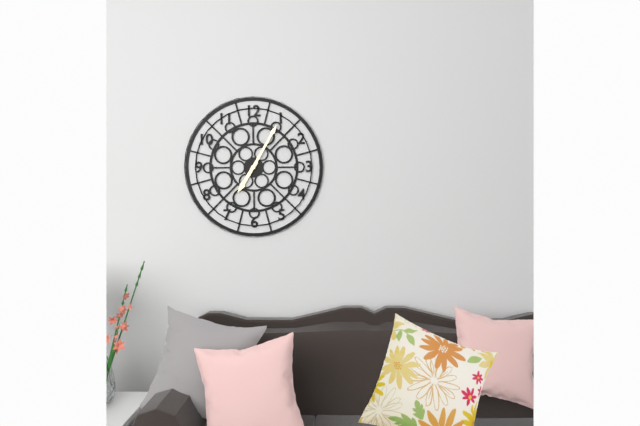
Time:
{"hour": 7, "minute": 5}
